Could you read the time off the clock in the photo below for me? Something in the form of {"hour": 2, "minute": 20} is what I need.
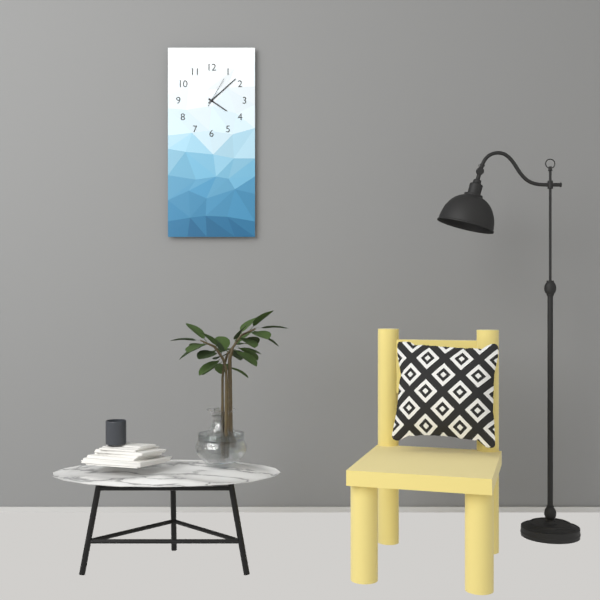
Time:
{"hour": 4, "minute": 8}
